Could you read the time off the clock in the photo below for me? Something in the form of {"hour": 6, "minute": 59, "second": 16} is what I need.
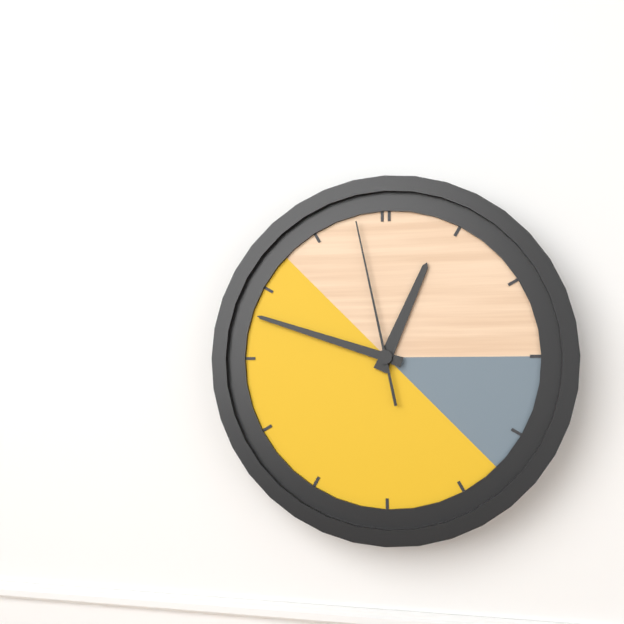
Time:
{"hour": 12, "minute": 48, "second": 58}
